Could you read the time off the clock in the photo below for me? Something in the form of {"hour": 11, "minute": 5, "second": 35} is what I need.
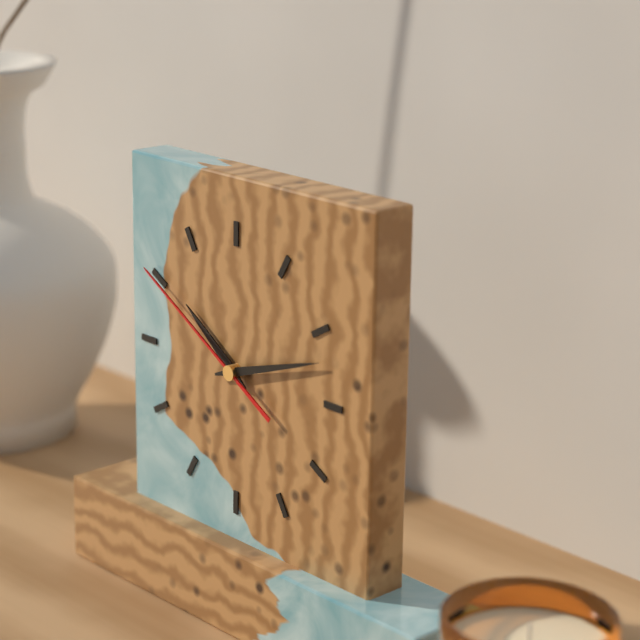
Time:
{"hour": 10, "minute": 12, "second": 50}
